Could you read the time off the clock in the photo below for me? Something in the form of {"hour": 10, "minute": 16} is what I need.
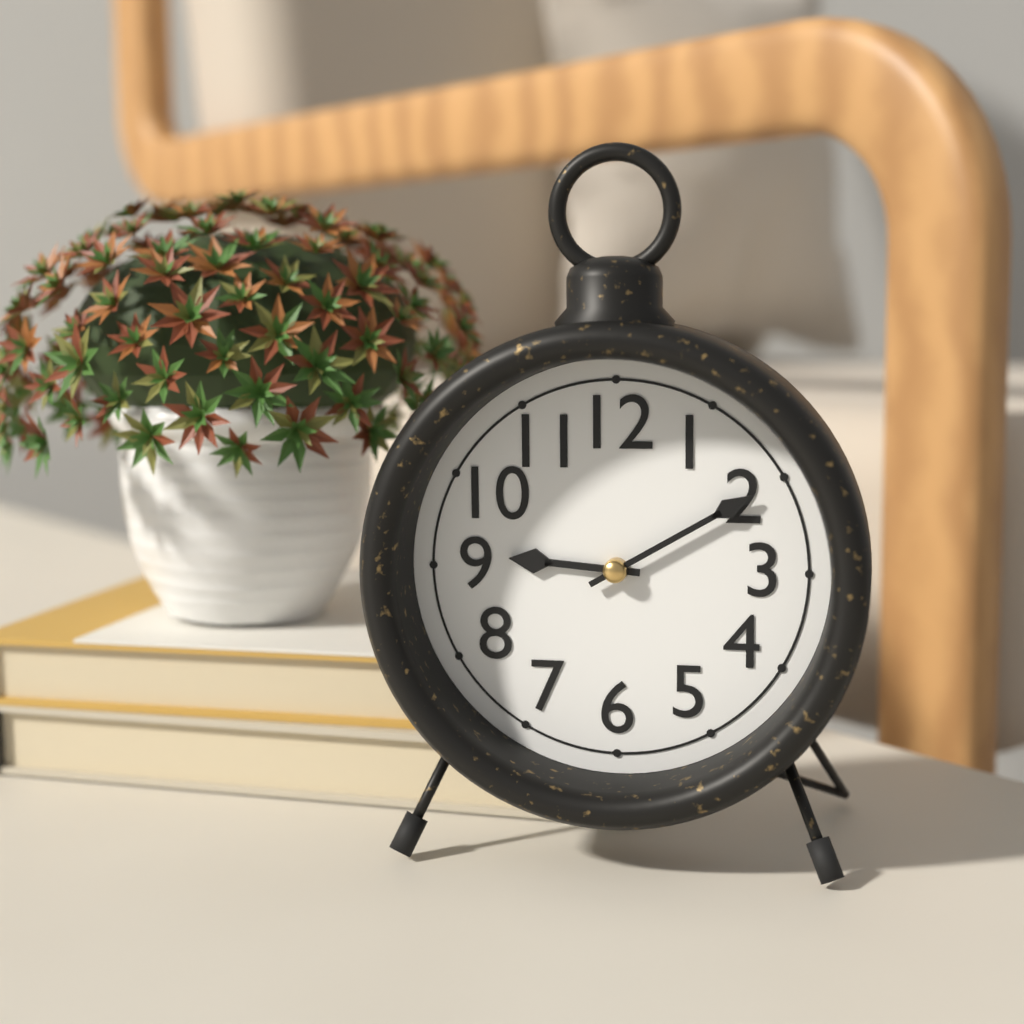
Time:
{"hour": 9, "minute": 10}
